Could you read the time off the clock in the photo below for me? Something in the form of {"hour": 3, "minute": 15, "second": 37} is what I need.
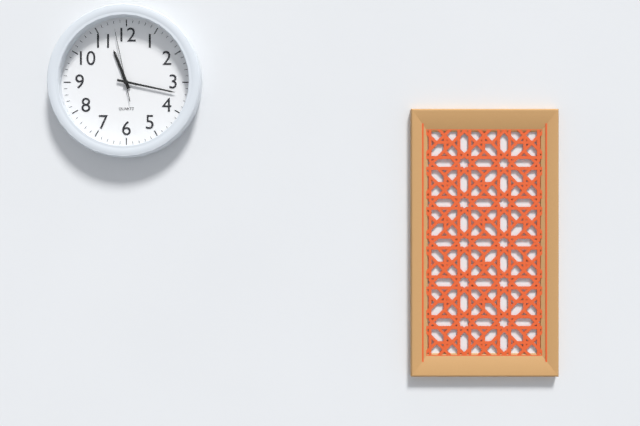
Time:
{"hour": 11, "minute": 17, "second": 58}
